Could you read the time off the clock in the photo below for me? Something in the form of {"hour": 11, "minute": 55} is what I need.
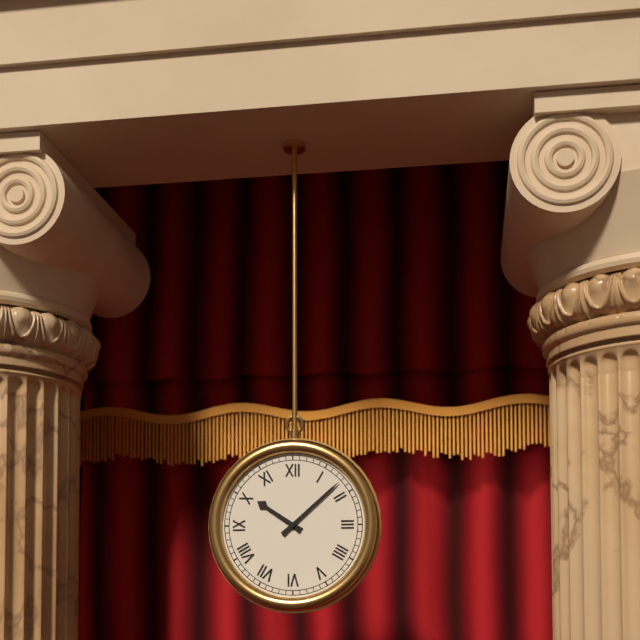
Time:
{"hour": 10, "minute": 8}
